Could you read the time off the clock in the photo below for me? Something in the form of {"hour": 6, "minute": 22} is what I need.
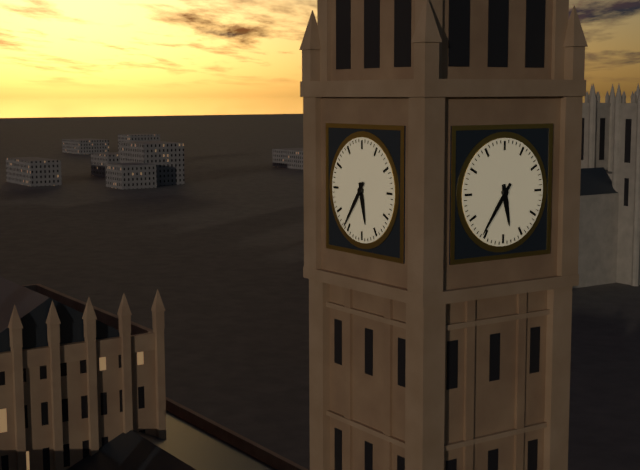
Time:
{"hour": 5, "minute": 36}
